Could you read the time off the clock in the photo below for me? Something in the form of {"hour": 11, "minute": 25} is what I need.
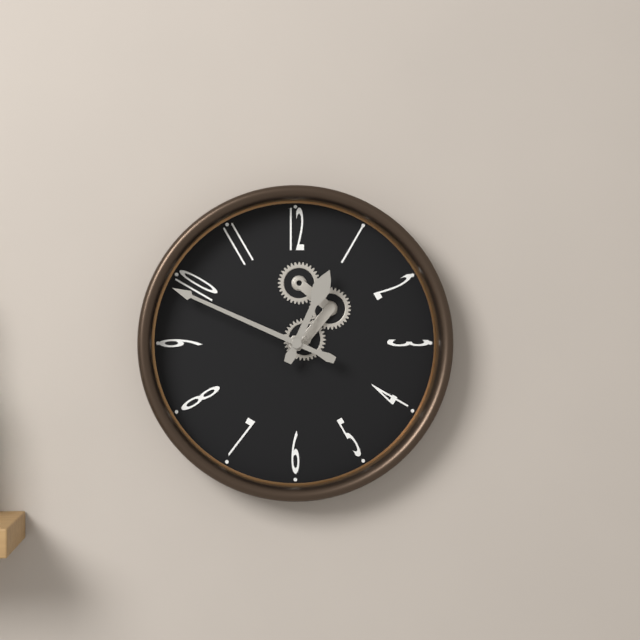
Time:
{"hour": 12, "minute": 49}
